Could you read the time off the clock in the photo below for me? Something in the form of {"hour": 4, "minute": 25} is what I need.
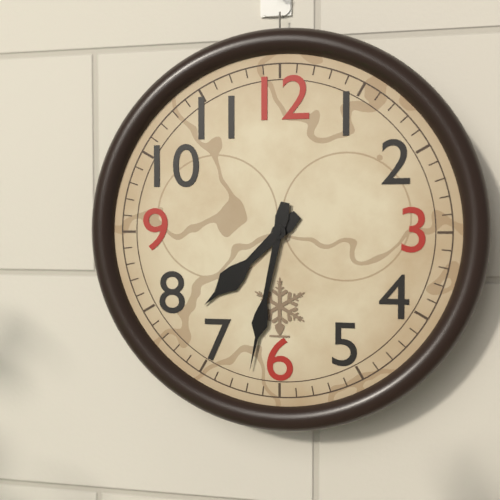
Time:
{"hour": 7, "minute": 32}
